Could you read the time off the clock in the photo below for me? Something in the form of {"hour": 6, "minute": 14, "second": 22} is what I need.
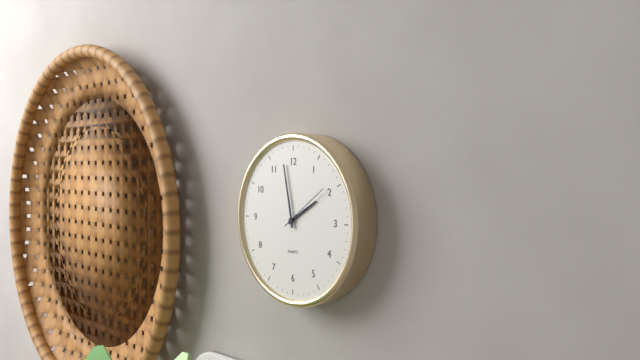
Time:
{"hour": 1, "minute": 58, "second": 9}
